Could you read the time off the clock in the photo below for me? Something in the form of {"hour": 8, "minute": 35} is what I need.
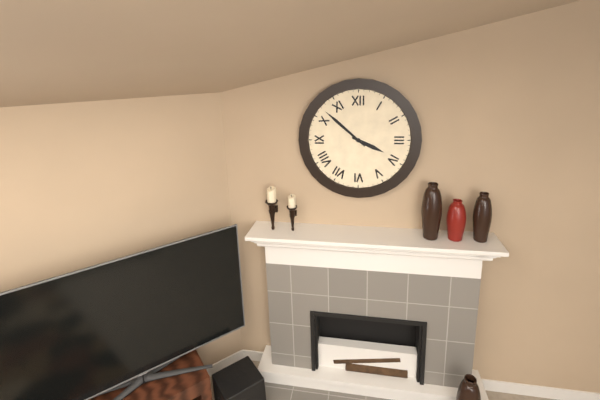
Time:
{"hour": 3, "minute": 52}
